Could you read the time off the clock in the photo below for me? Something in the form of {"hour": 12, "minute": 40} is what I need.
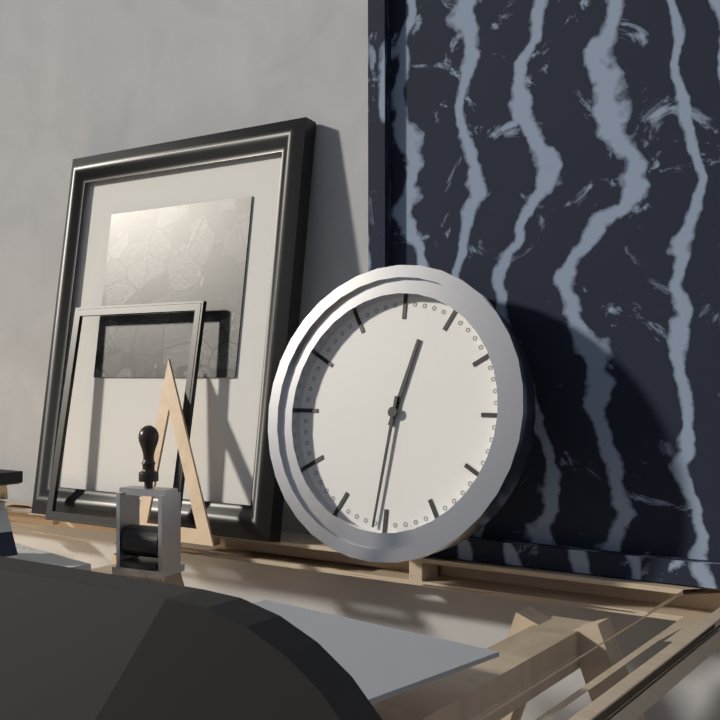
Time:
{"hour": 12, "minute": 31}
